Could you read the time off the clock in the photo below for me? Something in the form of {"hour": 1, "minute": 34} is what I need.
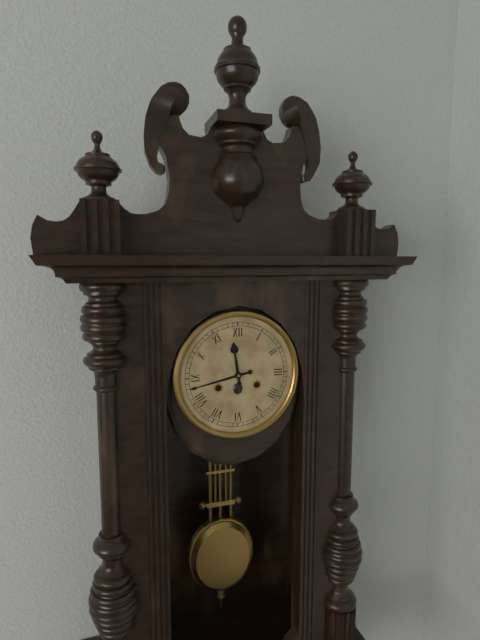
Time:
{"hour": 11, "minute": 43}
